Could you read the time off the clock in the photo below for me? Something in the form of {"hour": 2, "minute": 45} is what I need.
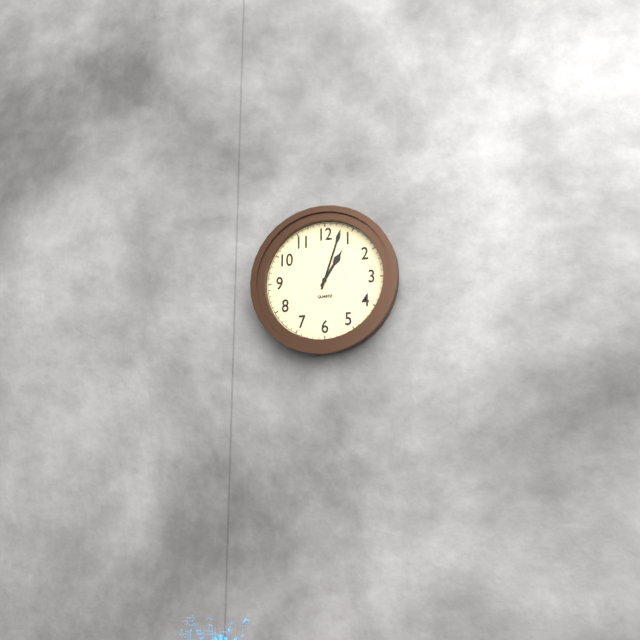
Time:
{"hour": 1, "minute": 3}
